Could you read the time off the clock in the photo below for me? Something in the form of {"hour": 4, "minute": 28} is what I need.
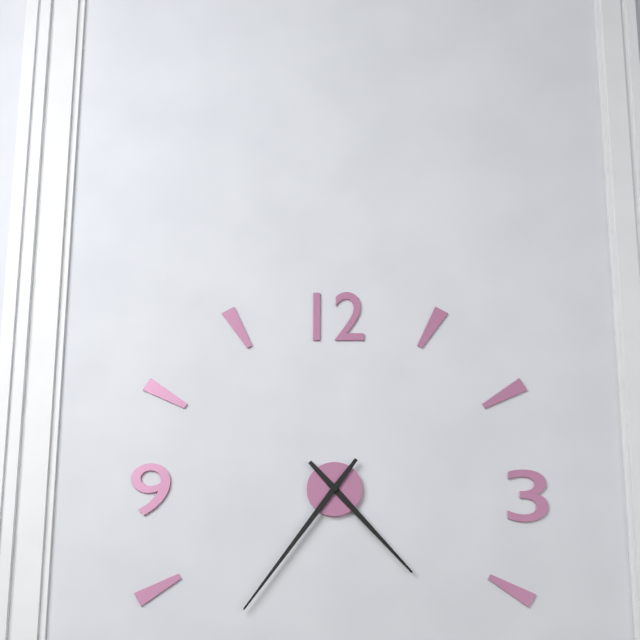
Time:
{"hour": 4, "minute": 36}
